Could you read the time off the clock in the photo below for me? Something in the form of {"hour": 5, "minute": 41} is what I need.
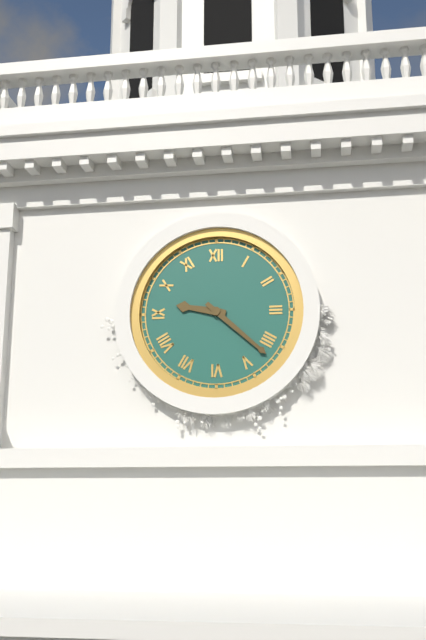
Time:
{"hour": 9, "minute": 22}
